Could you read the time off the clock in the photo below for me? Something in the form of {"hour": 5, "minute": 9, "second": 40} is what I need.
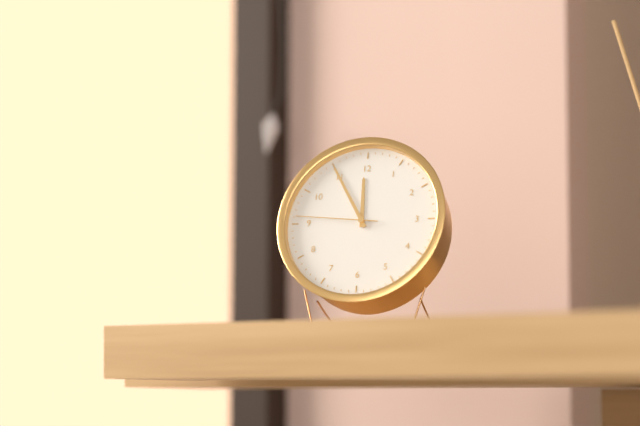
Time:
{"hour": 11, "minute": 55, "second": 46}
